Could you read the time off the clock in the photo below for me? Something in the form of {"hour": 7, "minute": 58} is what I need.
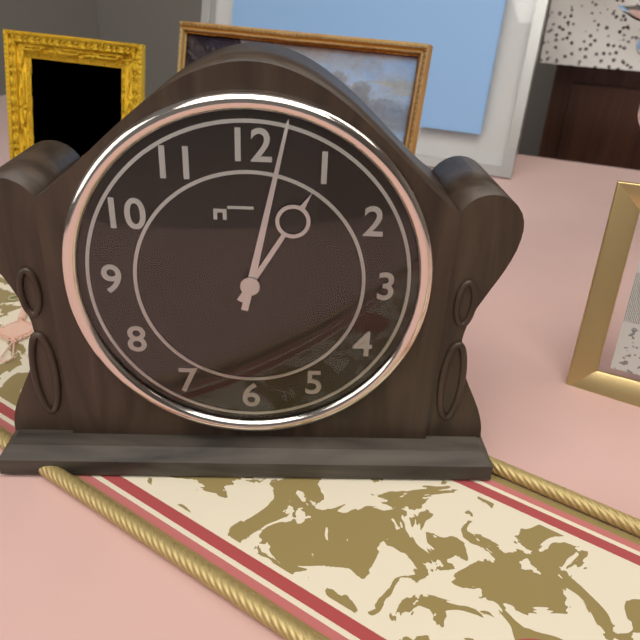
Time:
{"hour": 1, "minute": 2}
